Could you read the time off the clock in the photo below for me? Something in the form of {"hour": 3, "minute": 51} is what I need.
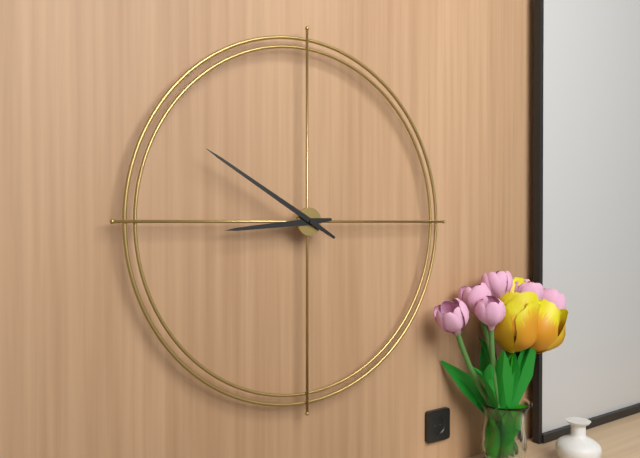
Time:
{"hour": 8, "minute": 50}
